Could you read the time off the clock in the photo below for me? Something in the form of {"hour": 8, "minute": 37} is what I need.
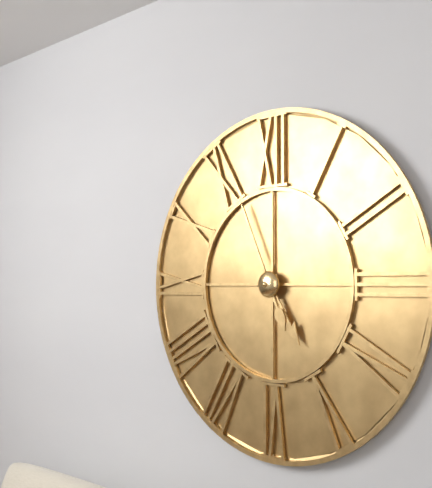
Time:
{"hour": 4, "minute": 56}
